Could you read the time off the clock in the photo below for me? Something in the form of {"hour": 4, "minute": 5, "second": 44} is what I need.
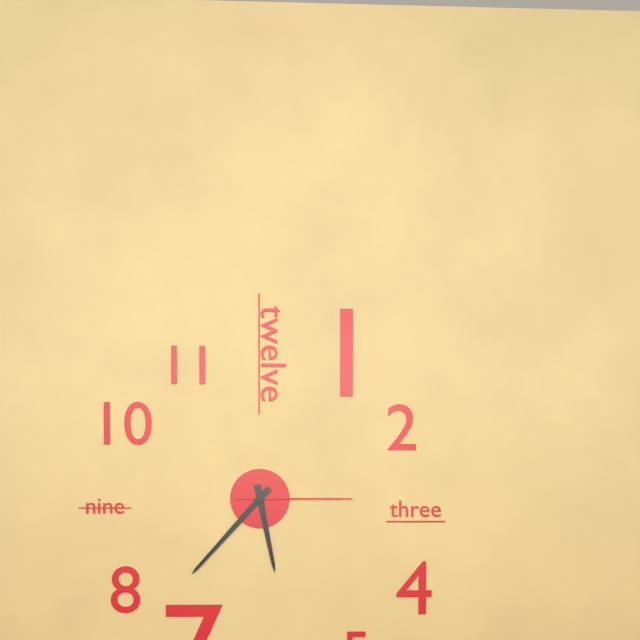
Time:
{"hour": 5, "minute": 37, "second": 15}
